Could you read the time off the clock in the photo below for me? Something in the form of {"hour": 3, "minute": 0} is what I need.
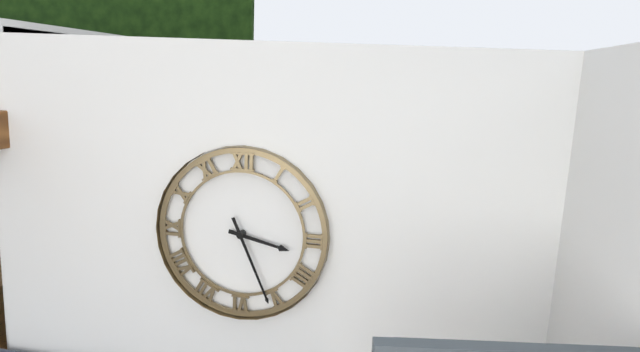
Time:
{"hour": 3, "minute": 26}
